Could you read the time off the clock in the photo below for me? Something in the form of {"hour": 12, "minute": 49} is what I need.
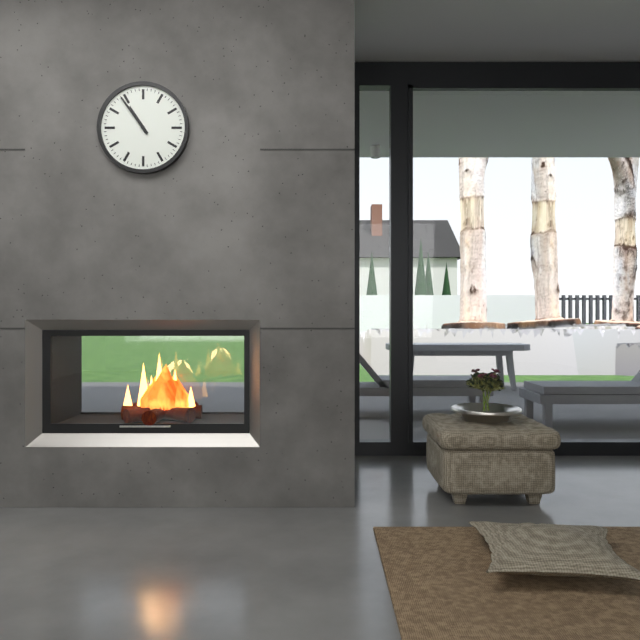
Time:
{"hour": 10, "minute": 54}
